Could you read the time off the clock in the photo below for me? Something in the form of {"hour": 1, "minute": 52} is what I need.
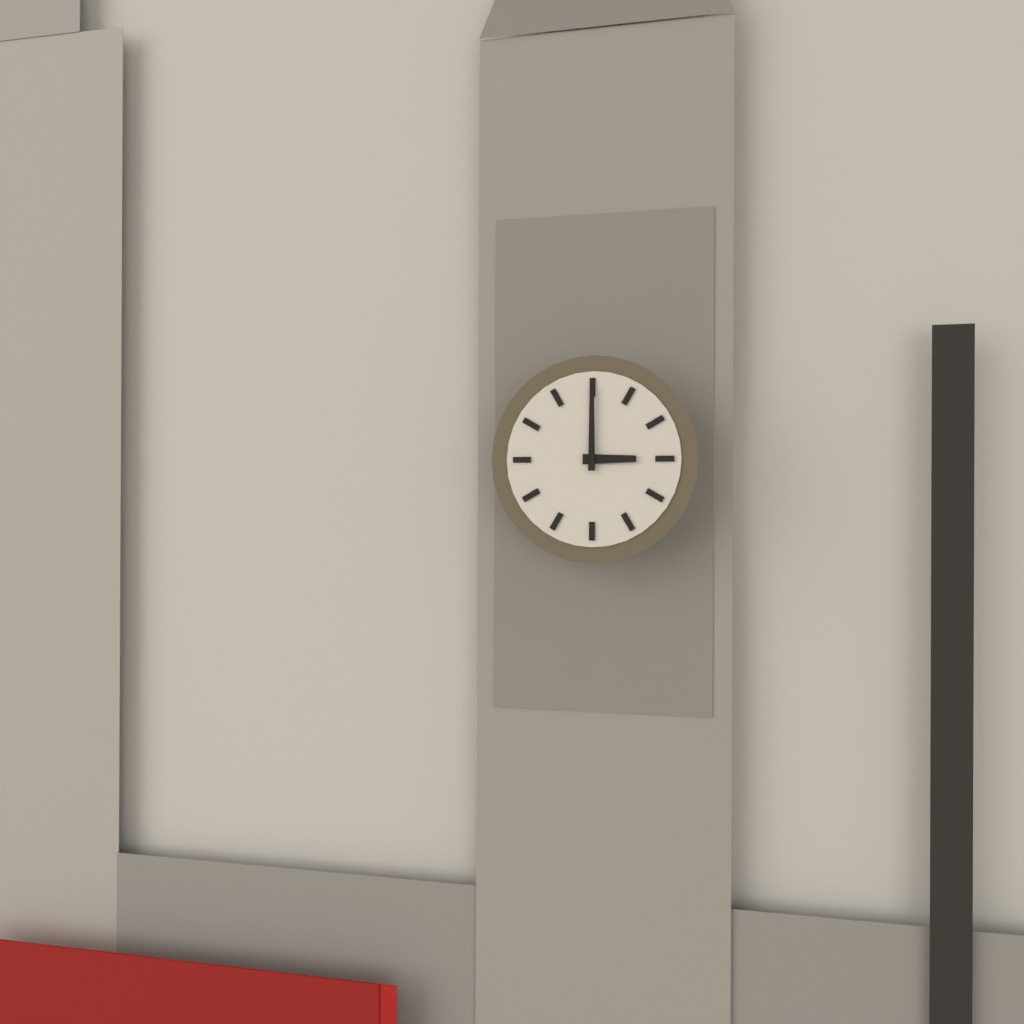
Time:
{"hour": 3, "minute": 0}
